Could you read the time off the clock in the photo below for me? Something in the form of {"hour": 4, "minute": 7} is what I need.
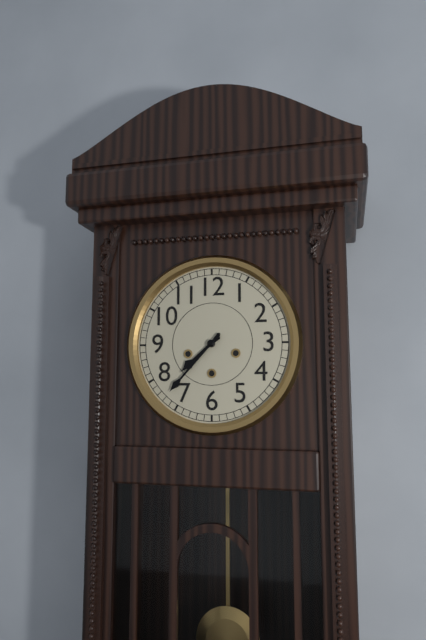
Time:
{"hour": 7, "minute": 37}
